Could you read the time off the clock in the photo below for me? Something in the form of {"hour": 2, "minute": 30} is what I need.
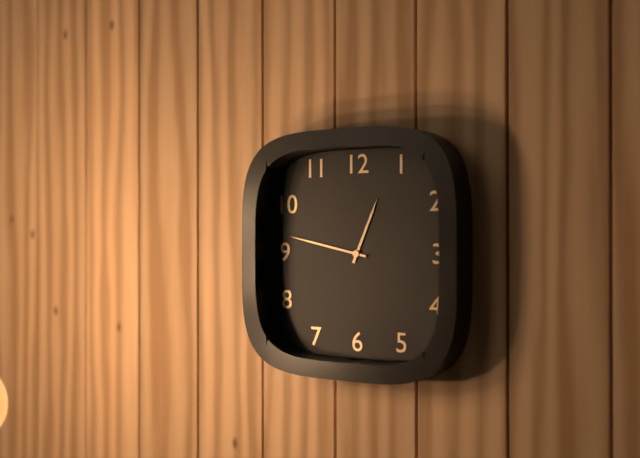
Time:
{"hour": 12, "minute": 47}
